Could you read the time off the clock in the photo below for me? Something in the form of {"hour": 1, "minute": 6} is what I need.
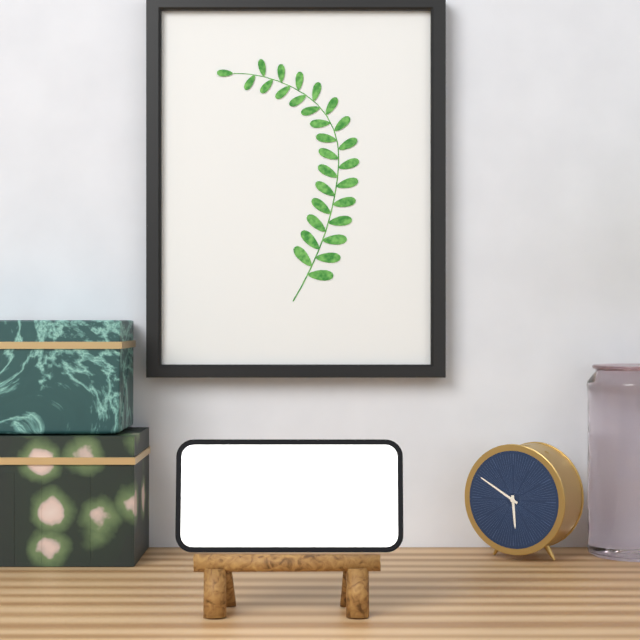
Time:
{"hour": 5, "minute": 50}
